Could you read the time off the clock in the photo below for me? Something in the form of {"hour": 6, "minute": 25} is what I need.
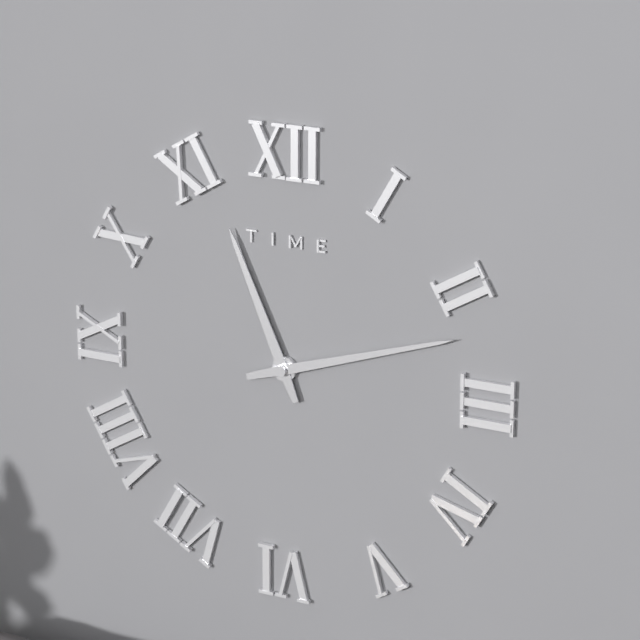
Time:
{"hour": 11, "minute": 12}
